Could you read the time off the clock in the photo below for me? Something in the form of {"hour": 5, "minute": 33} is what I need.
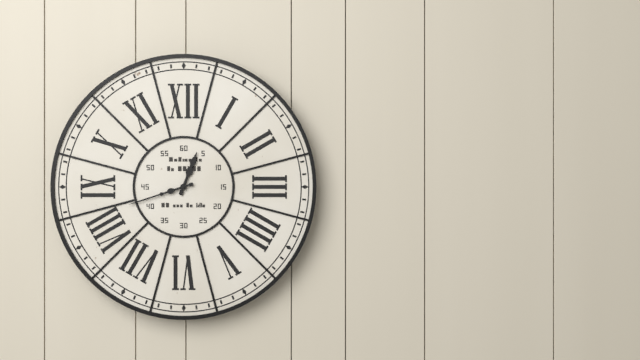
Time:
{"hour": 12, "minute": 42}
